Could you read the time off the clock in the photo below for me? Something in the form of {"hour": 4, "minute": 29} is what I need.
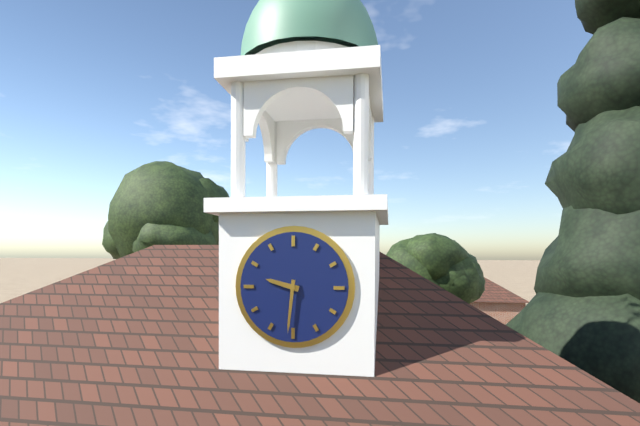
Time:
{"hour": 9, "minute": 31}
